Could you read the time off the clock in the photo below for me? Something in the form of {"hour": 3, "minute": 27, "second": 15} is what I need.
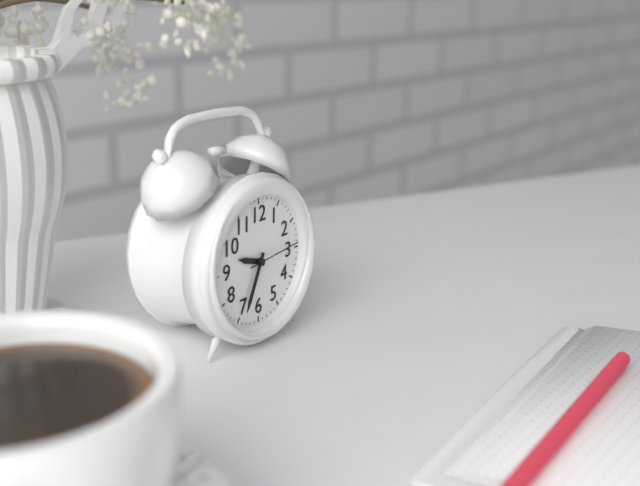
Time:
{"hour": 9, "minute": 34, "second": 14}
